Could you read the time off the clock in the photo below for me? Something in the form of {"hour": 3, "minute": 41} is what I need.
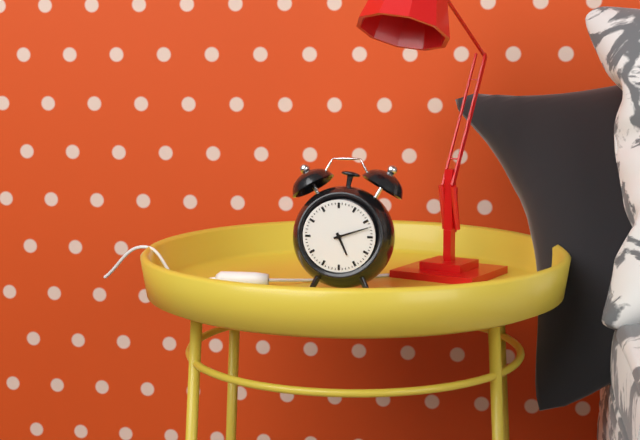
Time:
{"hour": 5, "minute": 12}
